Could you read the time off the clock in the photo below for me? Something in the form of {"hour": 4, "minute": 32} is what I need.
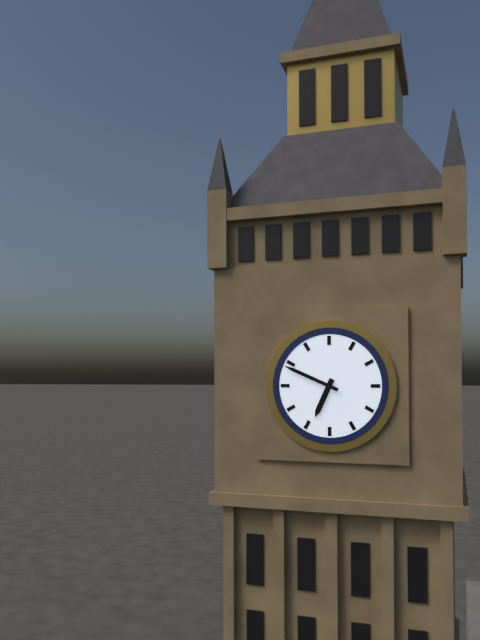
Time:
{"hour": 6, "minute": 49}
